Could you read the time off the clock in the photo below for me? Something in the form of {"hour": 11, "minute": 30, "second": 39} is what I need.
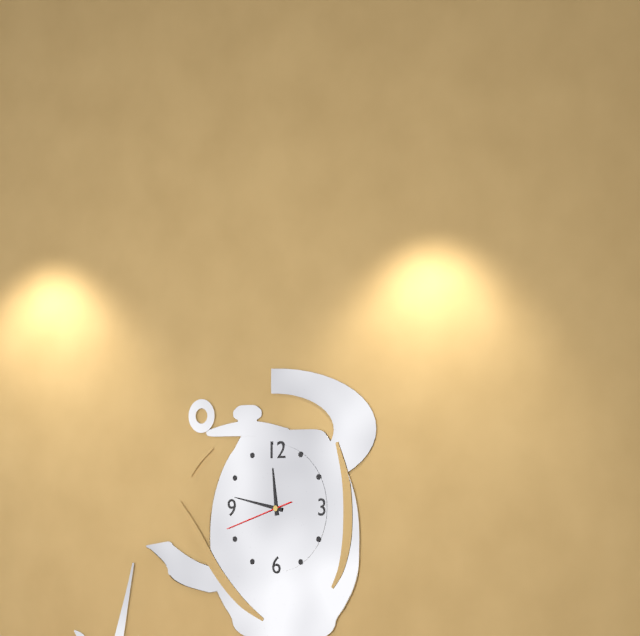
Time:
{"hour": 11, "minute": 47, "second": 42}
